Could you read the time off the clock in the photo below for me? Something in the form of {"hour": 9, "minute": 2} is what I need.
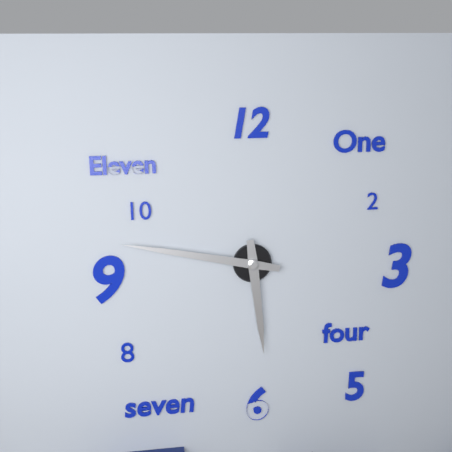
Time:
{"hour": 5, "minute": 47}
